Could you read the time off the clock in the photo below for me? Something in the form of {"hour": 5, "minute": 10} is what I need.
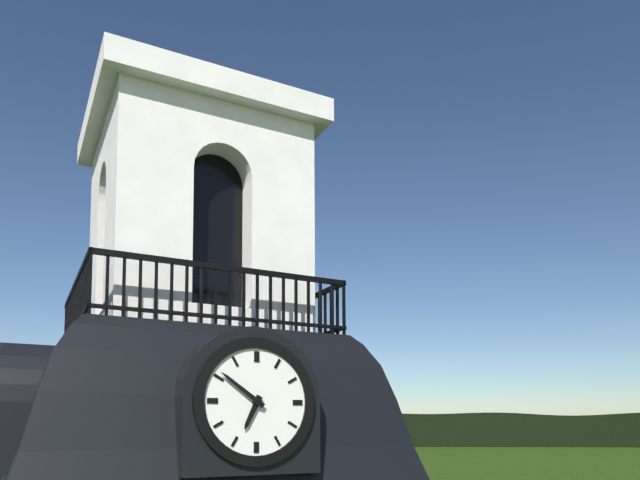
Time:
{"hour": 6, "minute": 51}
